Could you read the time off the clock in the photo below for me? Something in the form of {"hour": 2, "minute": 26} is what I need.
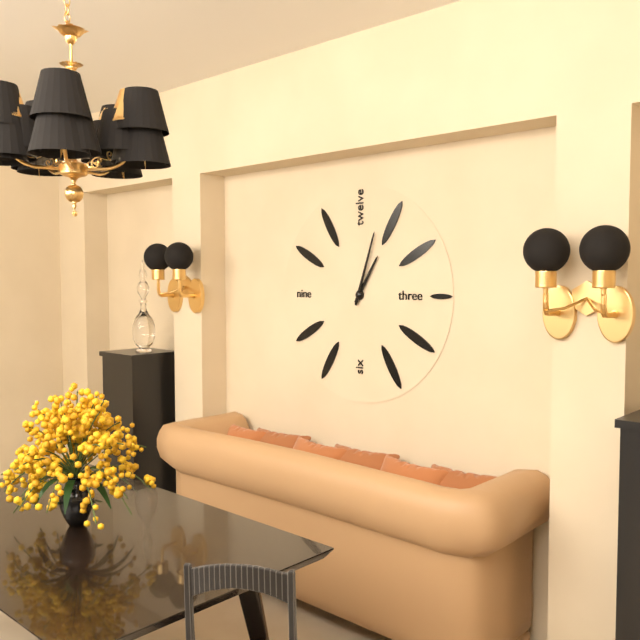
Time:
{"hour": 1, "minute": 3}
